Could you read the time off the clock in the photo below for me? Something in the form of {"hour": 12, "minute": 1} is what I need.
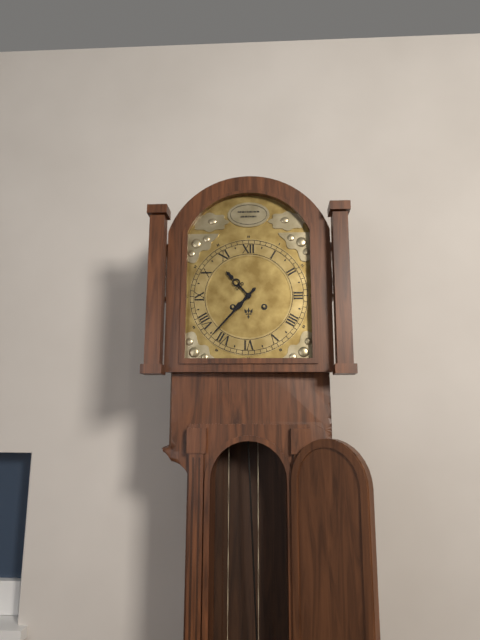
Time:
{"hour": 10, "minute": 37}
